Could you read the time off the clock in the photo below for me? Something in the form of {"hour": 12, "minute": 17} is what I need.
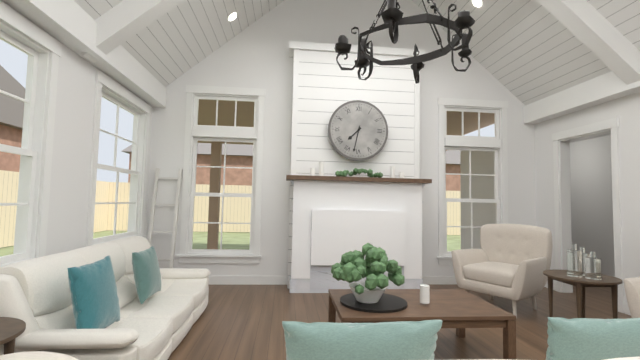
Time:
{"hour": 7, "minute": 32}
